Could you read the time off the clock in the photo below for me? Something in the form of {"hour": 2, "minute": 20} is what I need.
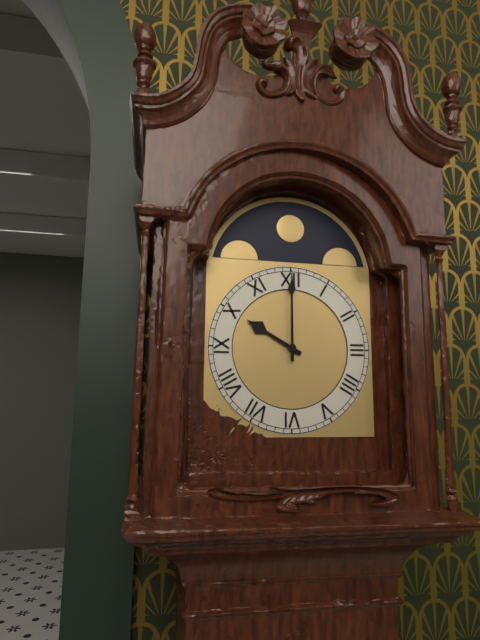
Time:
{"hour": 10, "minute": 0}
